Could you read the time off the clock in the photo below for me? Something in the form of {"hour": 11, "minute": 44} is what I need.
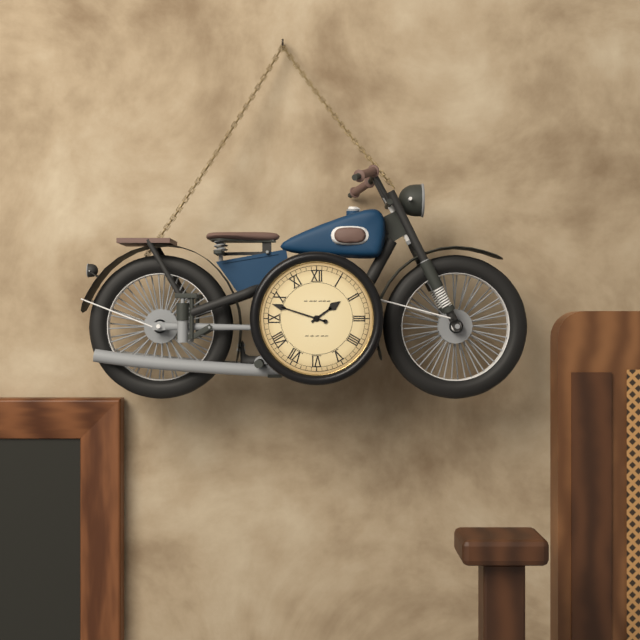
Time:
{"hour": 1, "minute": 48}
